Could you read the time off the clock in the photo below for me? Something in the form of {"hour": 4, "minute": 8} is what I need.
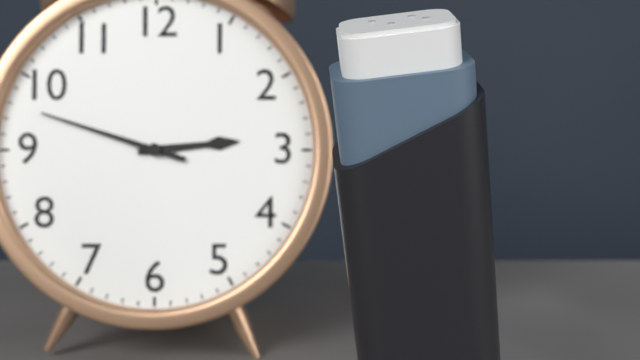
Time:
{"hour": 2, "minute": 48}
